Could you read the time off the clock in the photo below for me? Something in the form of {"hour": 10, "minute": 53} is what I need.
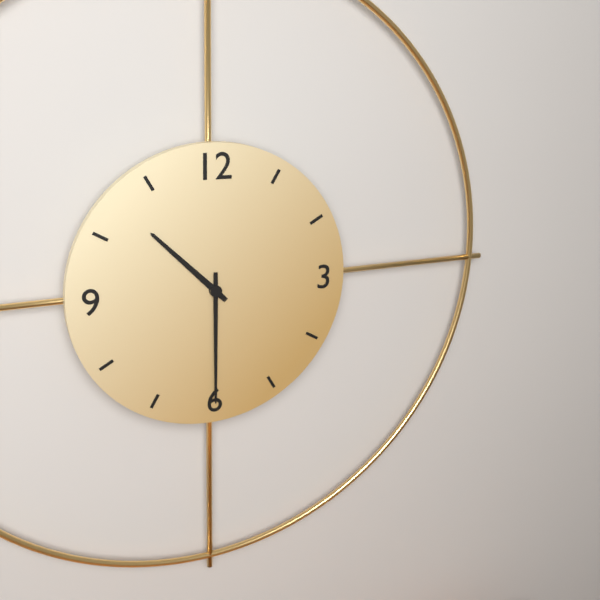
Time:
{"hour": 10, "minute": 30}
